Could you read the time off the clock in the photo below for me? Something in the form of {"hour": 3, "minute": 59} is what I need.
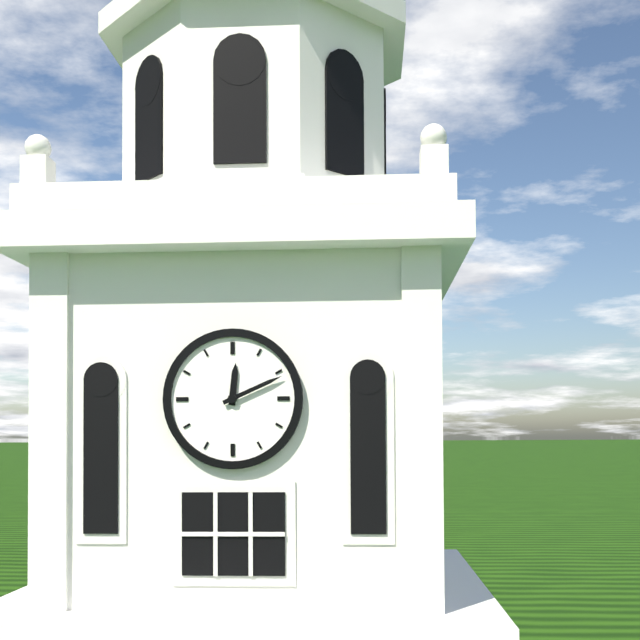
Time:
{"hour": 12, "minute": 11}
